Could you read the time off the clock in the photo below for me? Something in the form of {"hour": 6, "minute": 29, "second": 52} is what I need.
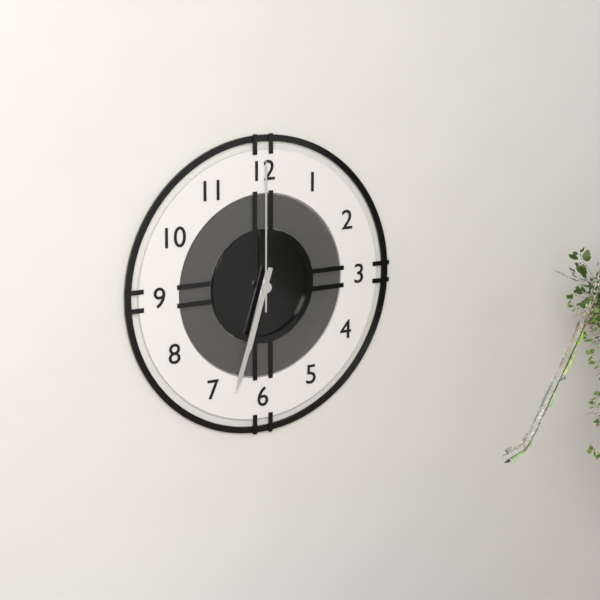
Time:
{"hour": 6, "minute": 33, "second": 0}
